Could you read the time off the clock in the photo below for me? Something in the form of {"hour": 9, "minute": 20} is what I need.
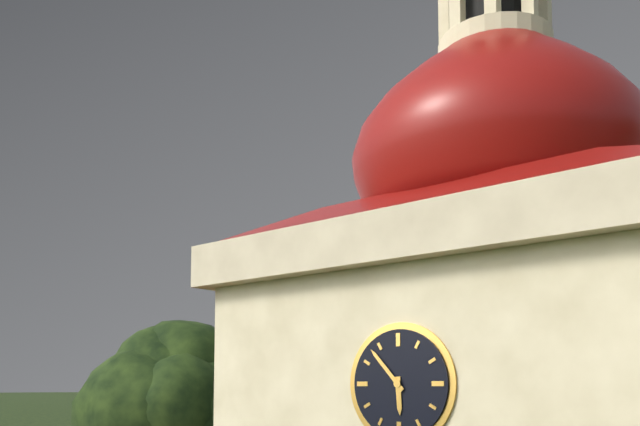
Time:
{"hour": 5, "minute": 53}
